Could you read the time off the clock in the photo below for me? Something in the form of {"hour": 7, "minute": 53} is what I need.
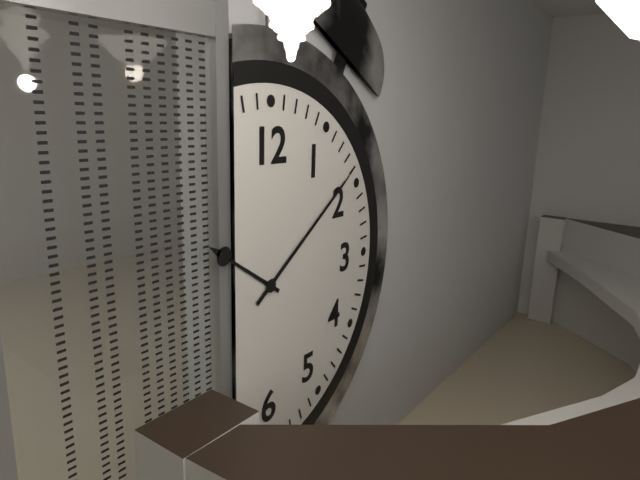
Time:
{"hour": 10, "minute": 9}
